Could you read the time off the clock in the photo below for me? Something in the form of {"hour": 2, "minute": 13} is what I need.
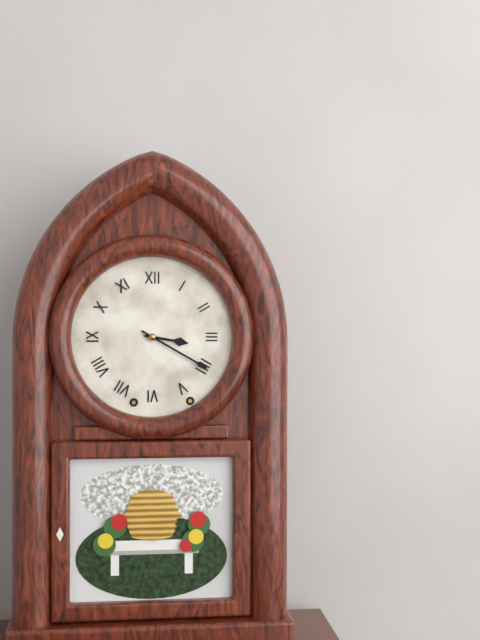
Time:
{"hour": 3, "minute": 20}
